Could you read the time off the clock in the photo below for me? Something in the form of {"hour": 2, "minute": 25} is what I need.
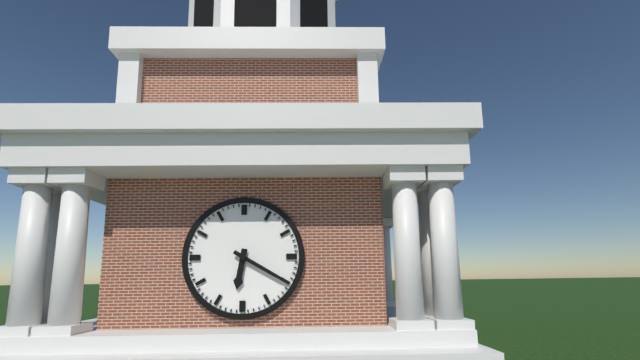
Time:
{"hour": 6, "minute": 20}
